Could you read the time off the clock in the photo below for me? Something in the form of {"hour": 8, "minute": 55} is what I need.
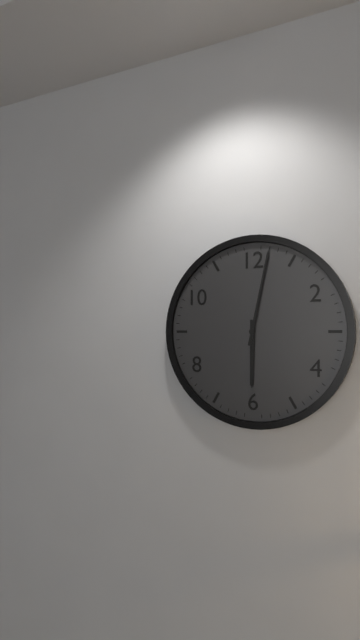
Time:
{"hour": 6, "minute": 2}
